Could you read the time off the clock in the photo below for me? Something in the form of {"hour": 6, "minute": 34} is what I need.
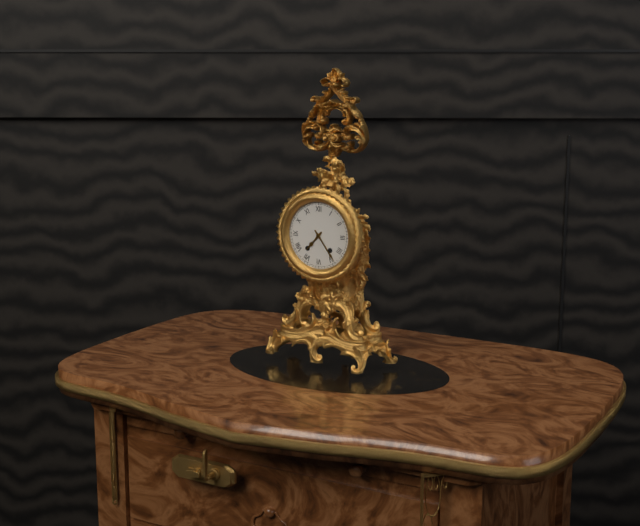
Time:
{"hour": 7, "minute": 24}
